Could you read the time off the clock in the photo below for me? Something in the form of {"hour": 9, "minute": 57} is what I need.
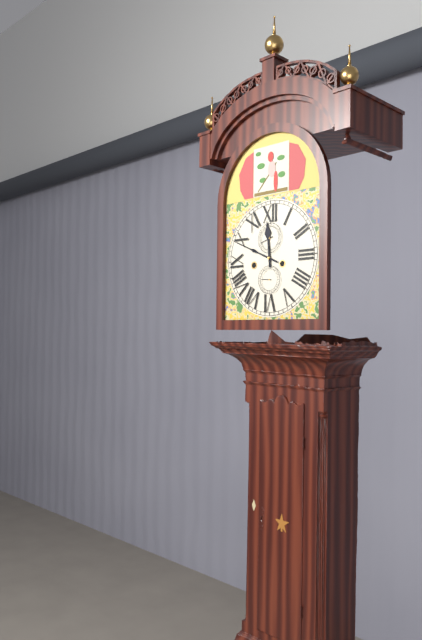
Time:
{"hour": 11, "minute": 49}
